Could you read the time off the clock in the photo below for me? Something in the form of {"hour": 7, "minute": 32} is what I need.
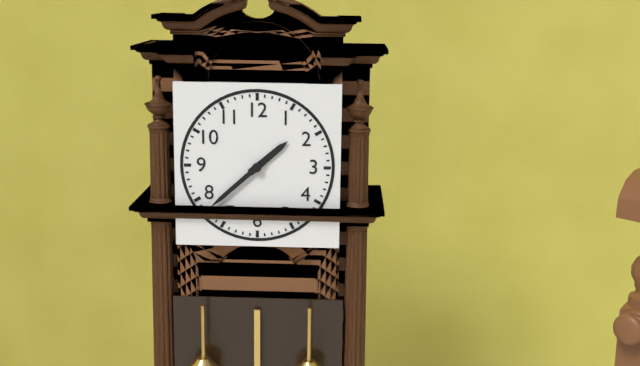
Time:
{"hour": 1, "minute": 38}
